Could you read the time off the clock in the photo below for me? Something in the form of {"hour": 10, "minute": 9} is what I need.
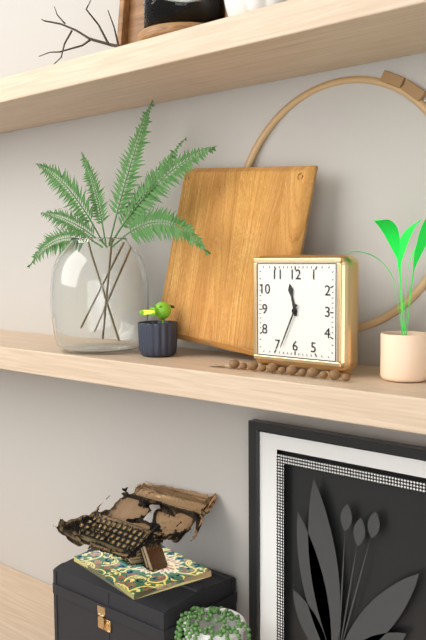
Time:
{"hour": 11, "minute": 34}
